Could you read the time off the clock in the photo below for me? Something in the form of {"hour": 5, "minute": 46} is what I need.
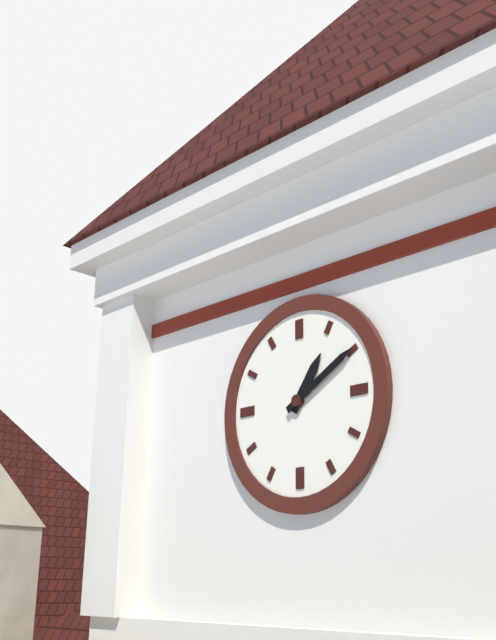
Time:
{"hour": 1, "minute": 10}
